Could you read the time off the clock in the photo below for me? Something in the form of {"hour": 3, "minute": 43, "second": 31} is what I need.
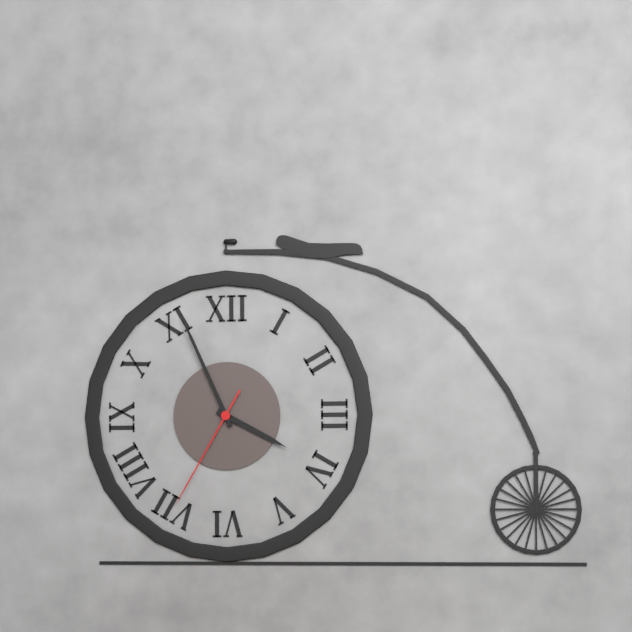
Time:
{"hour": 3, "minute": 56, "second": 35}
